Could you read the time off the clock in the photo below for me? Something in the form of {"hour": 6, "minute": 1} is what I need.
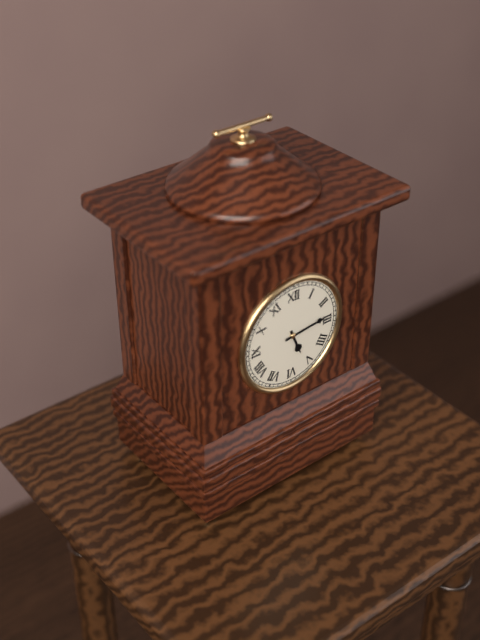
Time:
{"hour": 5, "minute": 14}
